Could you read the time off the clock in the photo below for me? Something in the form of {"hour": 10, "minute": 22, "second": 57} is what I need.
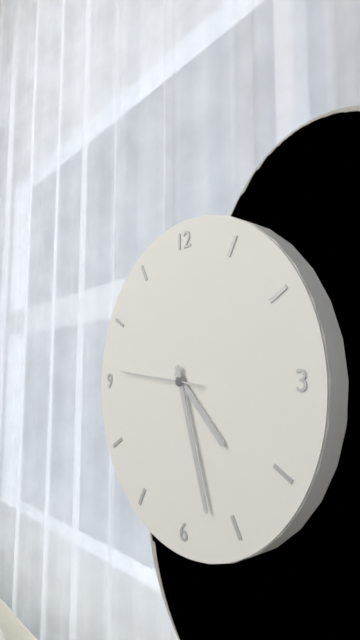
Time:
{"hour": 4, "minute": 27, "second": 46}
